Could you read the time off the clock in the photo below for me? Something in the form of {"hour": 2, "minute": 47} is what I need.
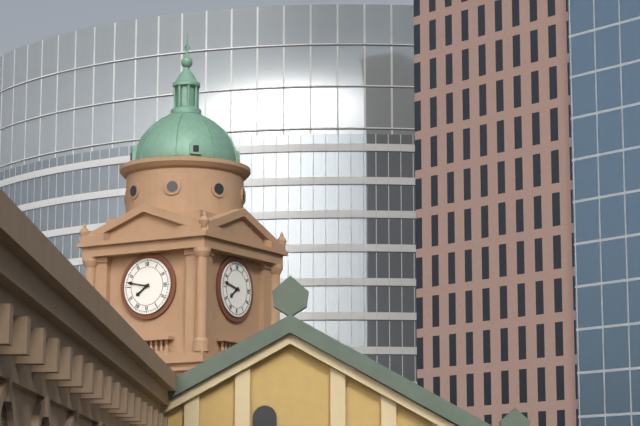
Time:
{"hour": 7, "minute": 47}
